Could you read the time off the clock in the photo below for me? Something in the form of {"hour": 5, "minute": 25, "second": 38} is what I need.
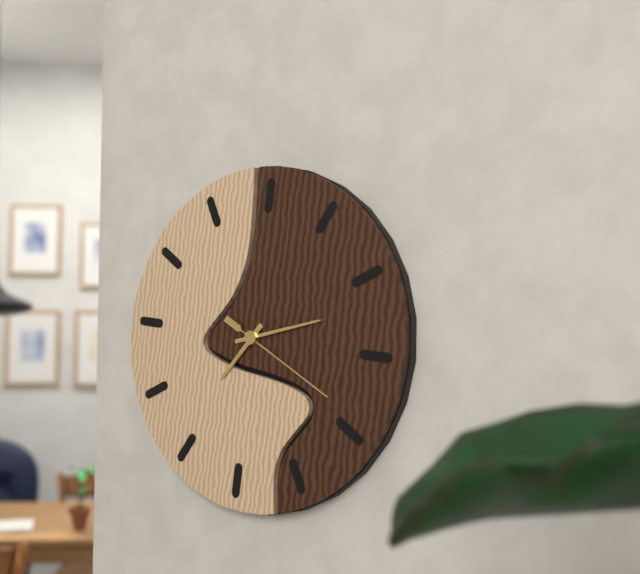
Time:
{"hour": 7, "minute": 12, "second": 19}
